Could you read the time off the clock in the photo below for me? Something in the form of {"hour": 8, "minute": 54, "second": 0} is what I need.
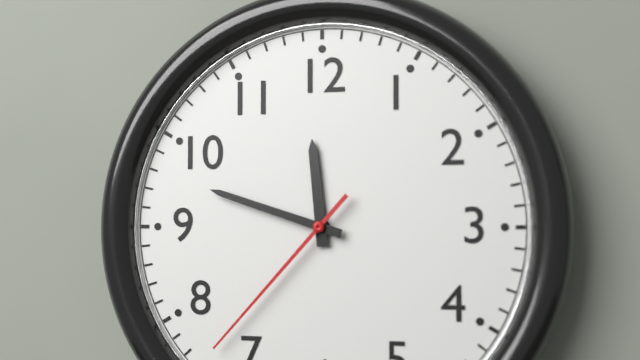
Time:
{"hour": 11, "minute": 48, "second": 37}
